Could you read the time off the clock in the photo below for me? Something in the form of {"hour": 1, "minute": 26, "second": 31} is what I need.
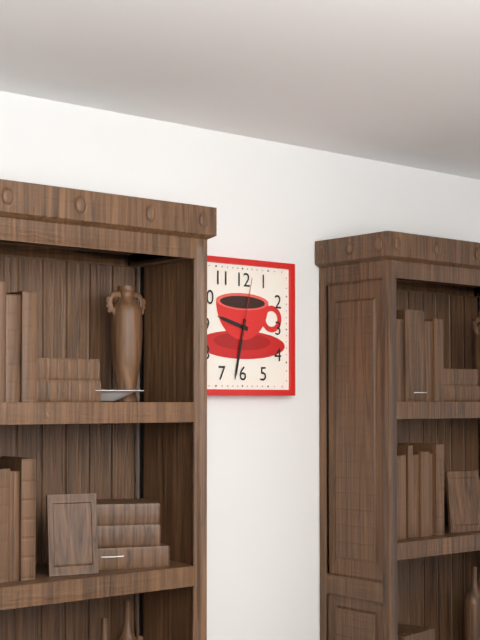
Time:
{"hour": 9, "minute": 32, "second": 2}
